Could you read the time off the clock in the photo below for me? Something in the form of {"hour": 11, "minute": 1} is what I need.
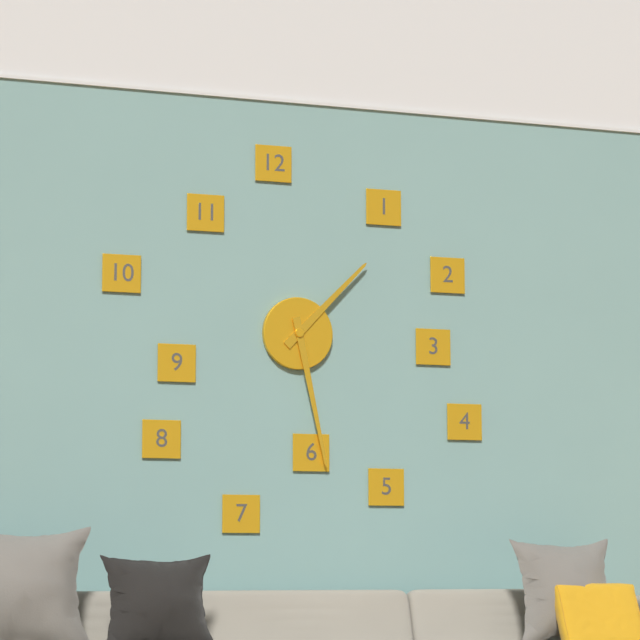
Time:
{"hour": 1, "minute": 28}
